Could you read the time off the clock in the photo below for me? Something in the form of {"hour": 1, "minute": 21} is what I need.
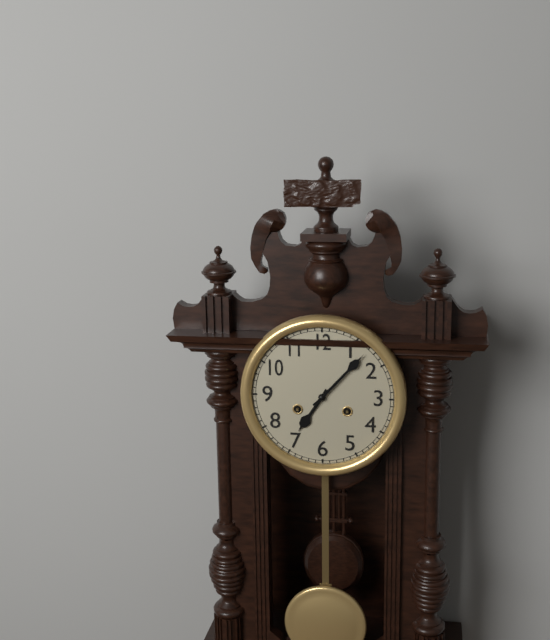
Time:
{"hour": 7, "minute": 7}
